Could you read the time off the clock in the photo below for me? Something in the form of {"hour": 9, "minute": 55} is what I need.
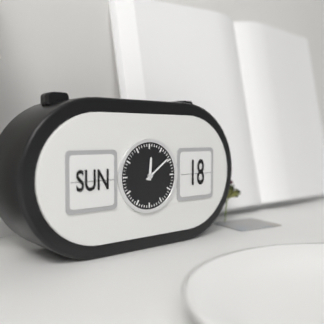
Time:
{"hour": 12, "minute": 9}
